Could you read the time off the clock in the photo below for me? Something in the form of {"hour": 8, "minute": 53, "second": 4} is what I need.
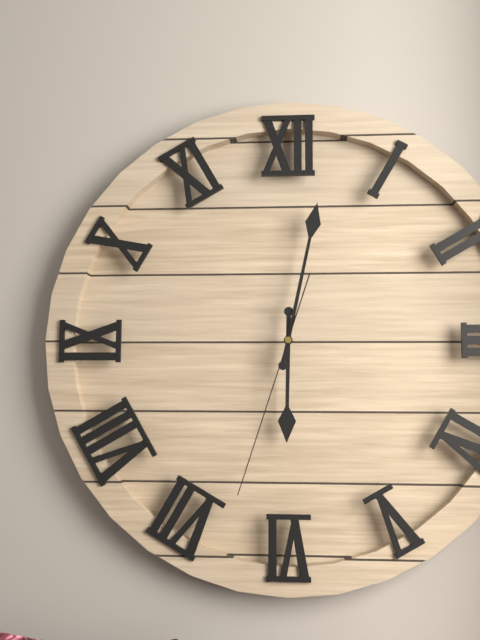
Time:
{"hour": 6, "minute": 2, "second": 33}
